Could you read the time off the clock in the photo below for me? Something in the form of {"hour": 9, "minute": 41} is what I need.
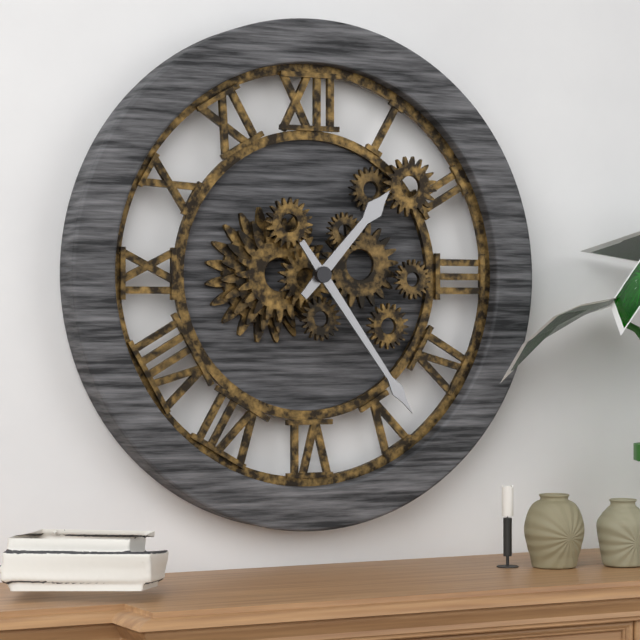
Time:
{"hour": 1, "minute": 24}
